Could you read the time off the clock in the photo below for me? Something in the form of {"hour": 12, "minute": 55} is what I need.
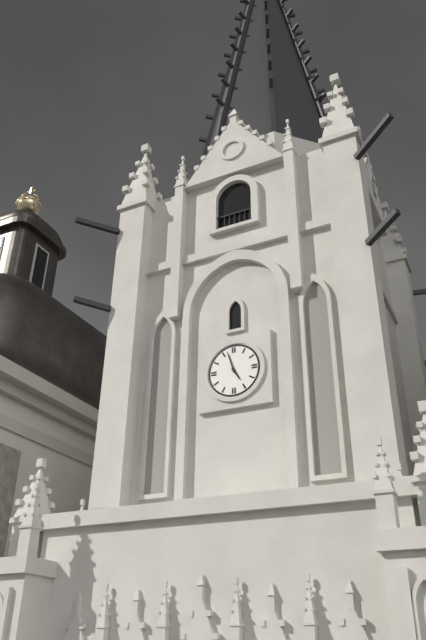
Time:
{"hour": 4, "minute": 57}
